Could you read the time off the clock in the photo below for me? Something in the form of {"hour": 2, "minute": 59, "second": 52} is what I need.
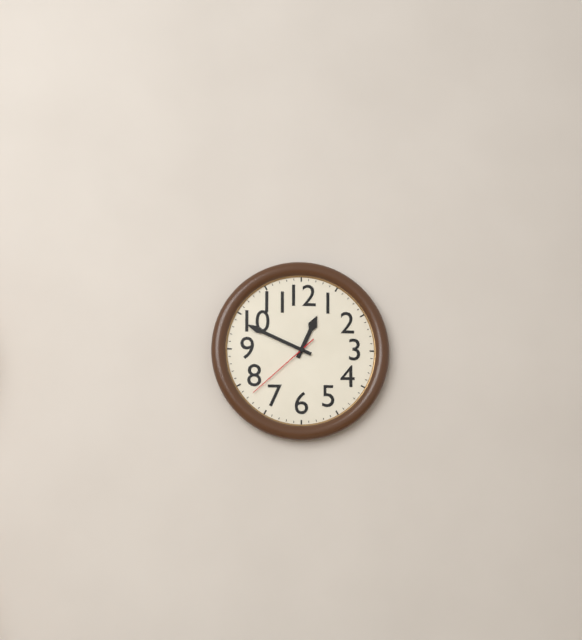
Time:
{"hour": 12, "minute": 49, "second": 38}
